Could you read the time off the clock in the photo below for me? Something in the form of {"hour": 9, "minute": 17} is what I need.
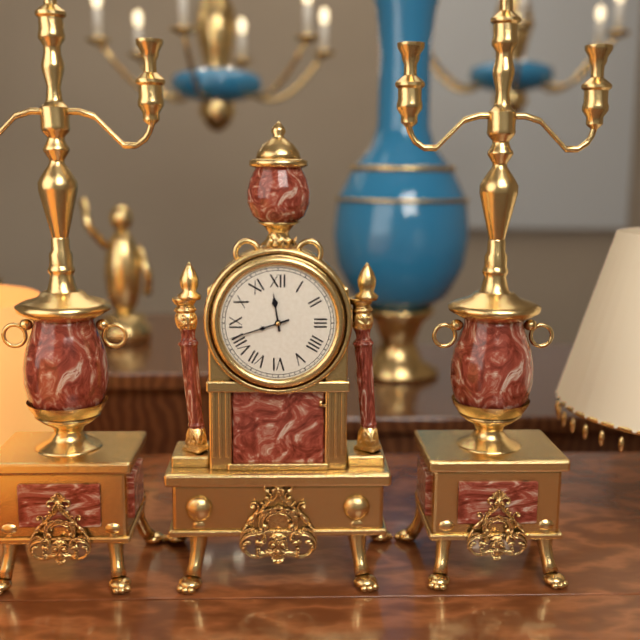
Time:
{"hour": 11, "minute": 42}
